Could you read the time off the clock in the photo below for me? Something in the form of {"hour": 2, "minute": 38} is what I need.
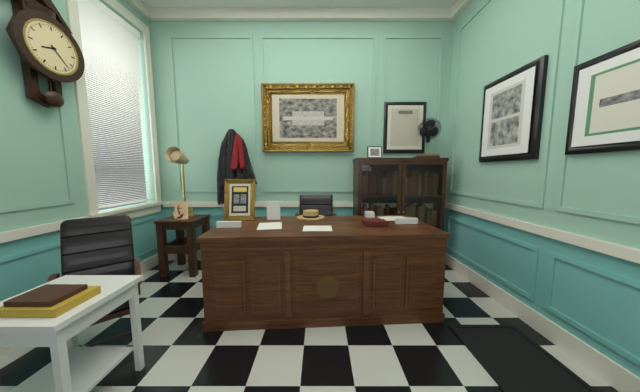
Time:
{"hour": 8, "minute": 23}
